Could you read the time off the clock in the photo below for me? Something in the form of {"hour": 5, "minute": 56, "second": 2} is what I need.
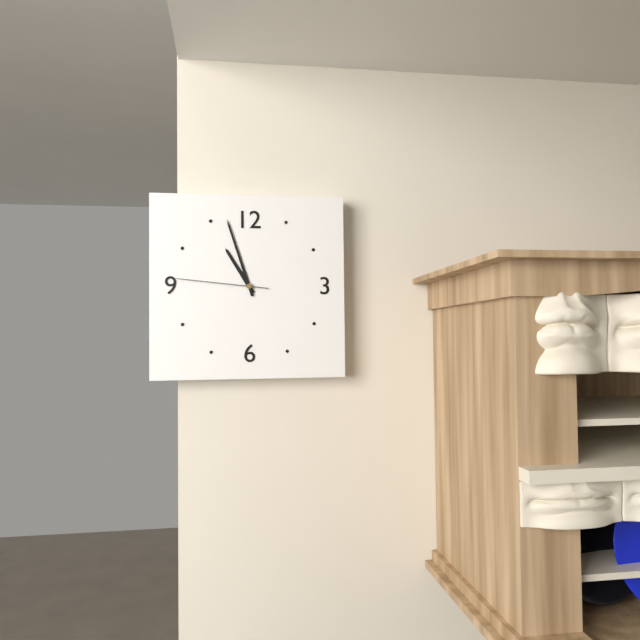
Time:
{"hour": 10, "minute": 57, "second": 46}
